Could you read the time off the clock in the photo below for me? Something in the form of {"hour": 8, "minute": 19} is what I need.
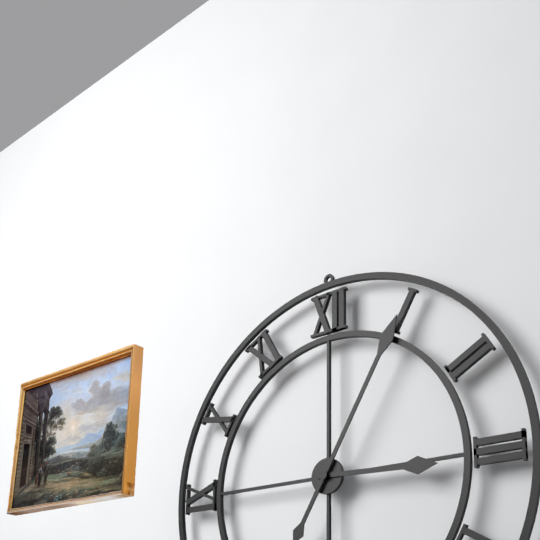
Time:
{"hour": 3, "minute": 5}
